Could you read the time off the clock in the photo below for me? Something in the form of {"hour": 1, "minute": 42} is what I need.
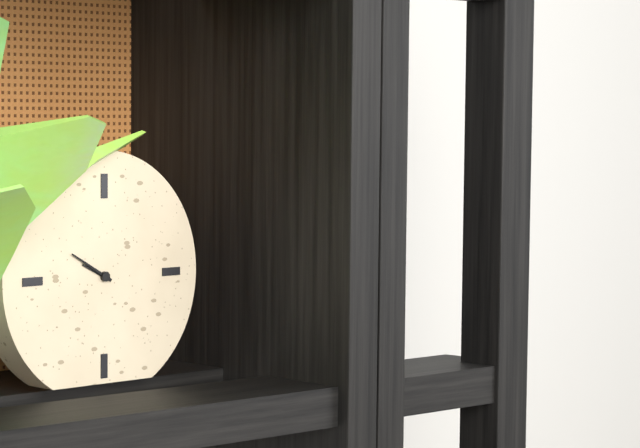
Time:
{"hour": 9, "minute": 50}
